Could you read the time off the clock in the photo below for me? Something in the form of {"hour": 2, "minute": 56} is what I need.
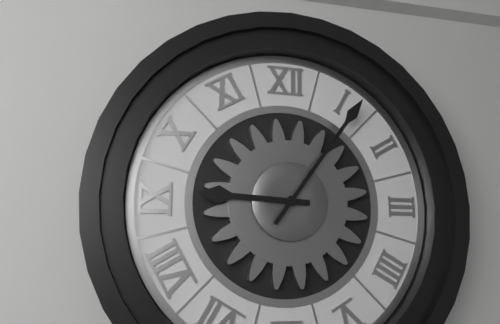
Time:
{"hour": 9, "minute": 6}
